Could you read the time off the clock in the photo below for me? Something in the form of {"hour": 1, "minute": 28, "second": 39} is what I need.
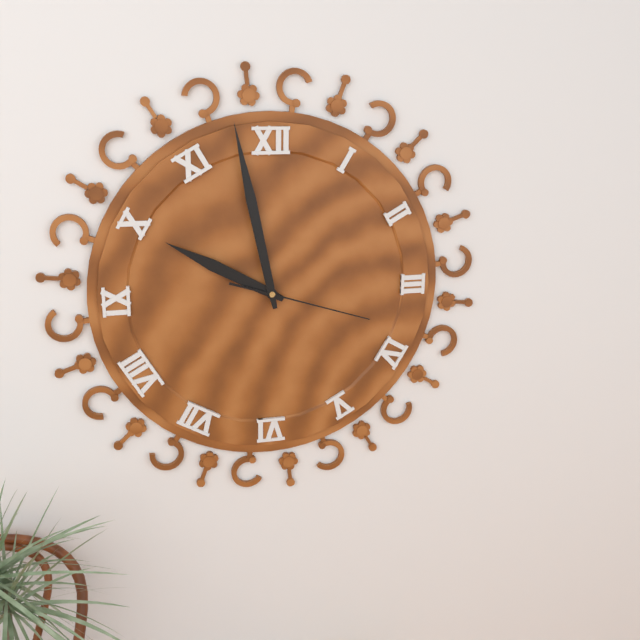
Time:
{"hour": 9, "minute": 58, "second": 18}
